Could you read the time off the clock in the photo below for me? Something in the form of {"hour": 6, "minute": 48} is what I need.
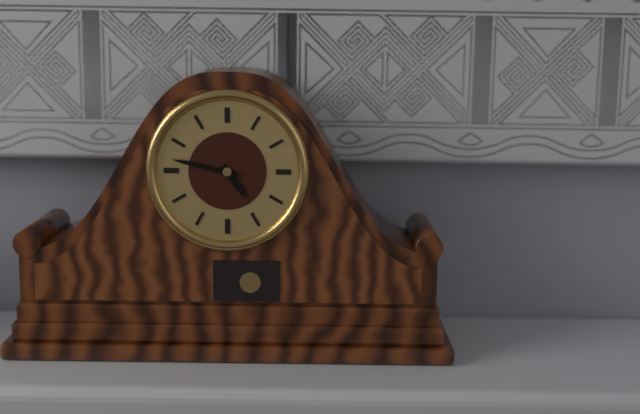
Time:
{"hour": 4, "minute": 47}
